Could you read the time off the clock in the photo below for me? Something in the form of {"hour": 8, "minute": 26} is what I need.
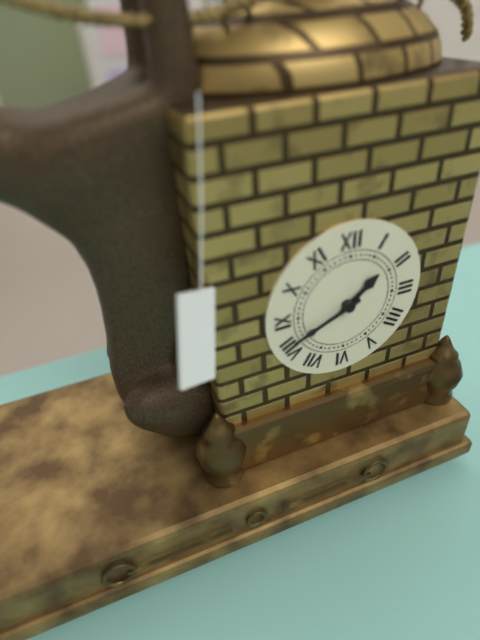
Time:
{"hour": 1, "minute": 41}
